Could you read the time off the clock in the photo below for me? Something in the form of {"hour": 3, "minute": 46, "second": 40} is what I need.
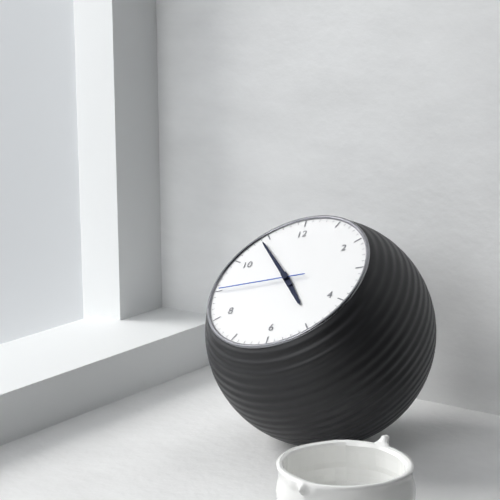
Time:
{"hour": 4, "minute": 54, "second": 45}
